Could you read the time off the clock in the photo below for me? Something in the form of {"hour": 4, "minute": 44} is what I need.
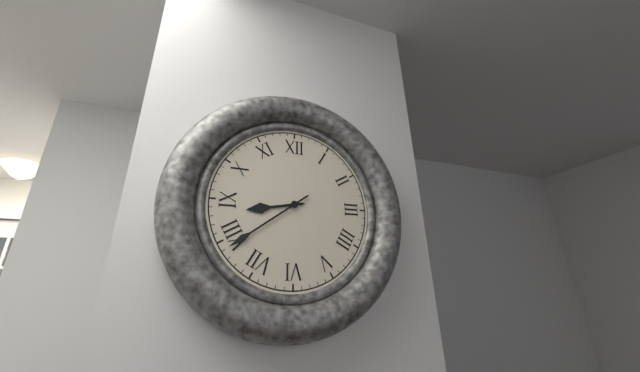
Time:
{"hour": 8, "minute": 39}
